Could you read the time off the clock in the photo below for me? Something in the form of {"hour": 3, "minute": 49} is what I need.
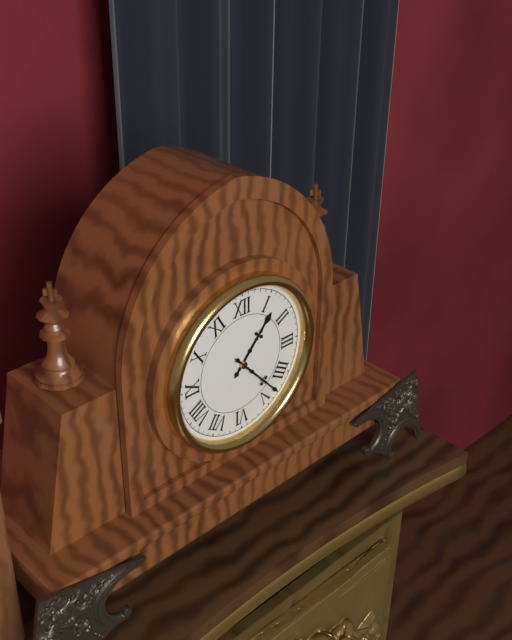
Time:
{"hour": 1, "minute": 23}
